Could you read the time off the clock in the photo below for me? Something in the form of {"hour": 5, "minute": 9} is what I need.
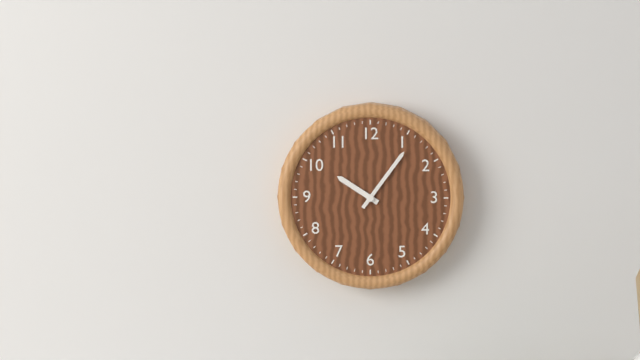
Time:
{"hour": 10, "minute": 6}
